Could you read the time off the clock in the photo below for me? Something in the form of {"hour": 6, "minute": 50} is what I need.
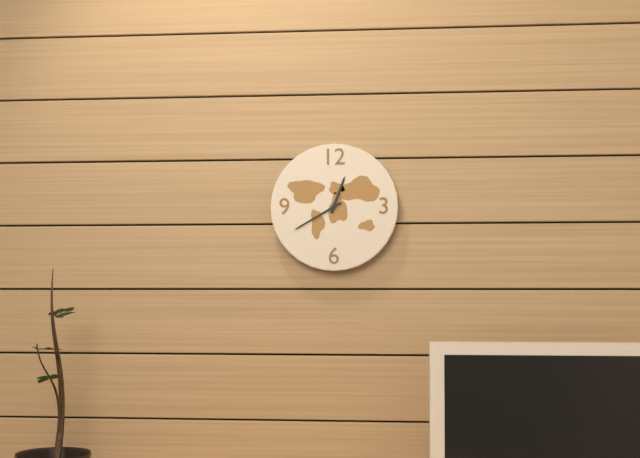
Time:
{"hour": 12, "minute": 40}
